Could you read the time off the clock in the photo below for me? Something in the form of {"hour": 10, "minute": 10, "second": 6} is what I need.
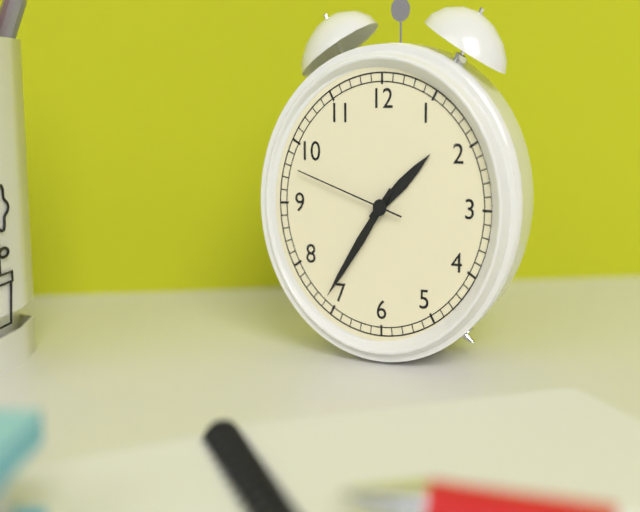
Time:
{"hour": 1, "minute": 36, "second": 48}
